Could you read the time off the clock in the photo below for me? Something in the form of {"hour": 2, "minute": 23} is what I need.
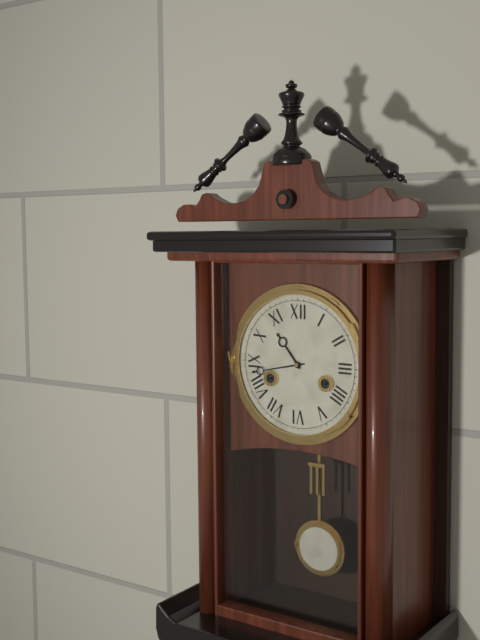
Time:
{"hour": 10, "minute": 43}
